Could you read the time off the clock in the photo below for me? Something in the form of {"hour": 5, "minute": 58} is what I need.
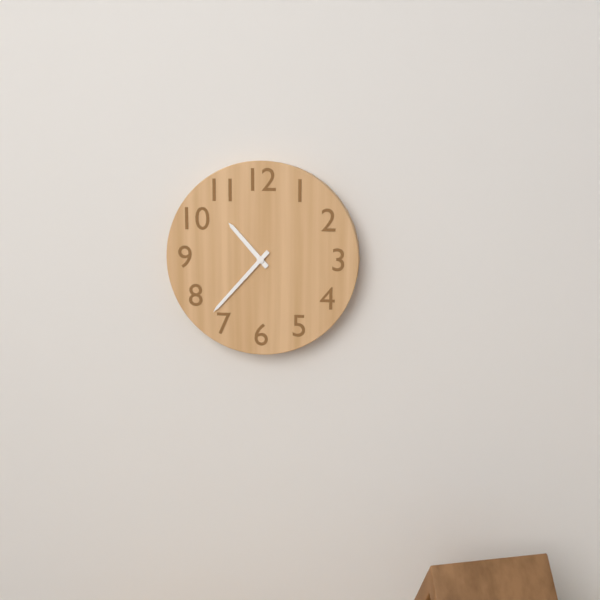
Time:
{"hour": 10, "minute": 37}
